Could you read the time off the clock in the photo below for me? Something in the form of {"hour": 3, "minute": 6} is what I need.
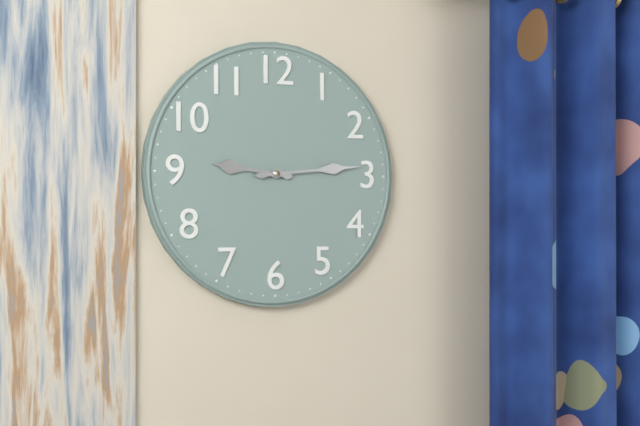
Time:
{"hour": 9, "minute": 14}
